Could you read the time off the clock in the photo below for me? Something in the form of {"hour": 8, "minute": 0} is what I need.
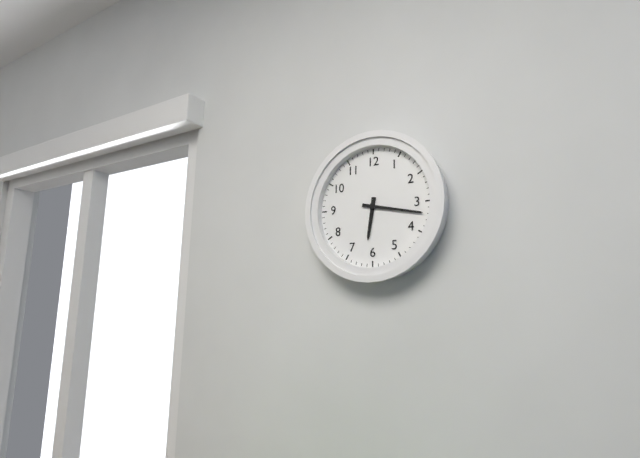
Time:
{"hour": 6, "minute": 17}
